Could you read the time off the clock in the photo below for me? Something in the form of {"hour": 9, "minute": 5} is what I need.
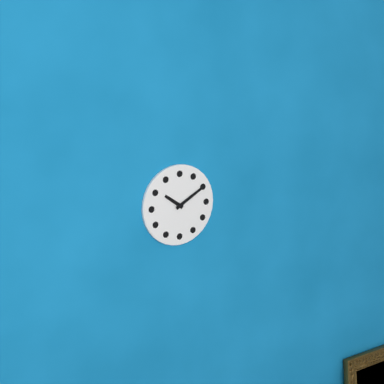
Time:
{"hour": 10, "minute": 10}
